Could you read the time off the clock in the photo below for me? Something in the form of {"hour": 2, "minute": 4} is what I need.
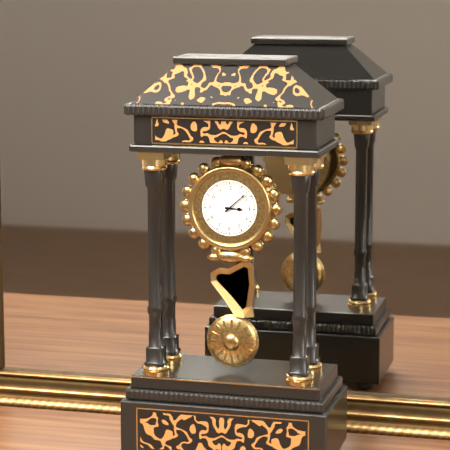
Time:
{"hour": 3, "minute": 8}
